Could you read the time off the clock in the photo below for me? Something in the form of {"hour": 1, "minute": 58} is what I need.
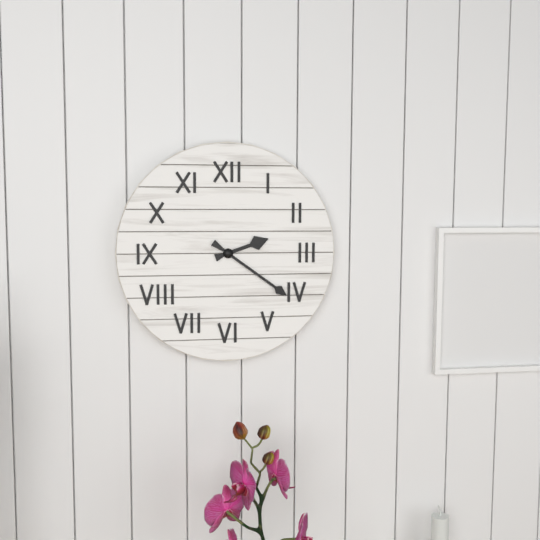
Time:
{"hour": 2, "minute": 21}
